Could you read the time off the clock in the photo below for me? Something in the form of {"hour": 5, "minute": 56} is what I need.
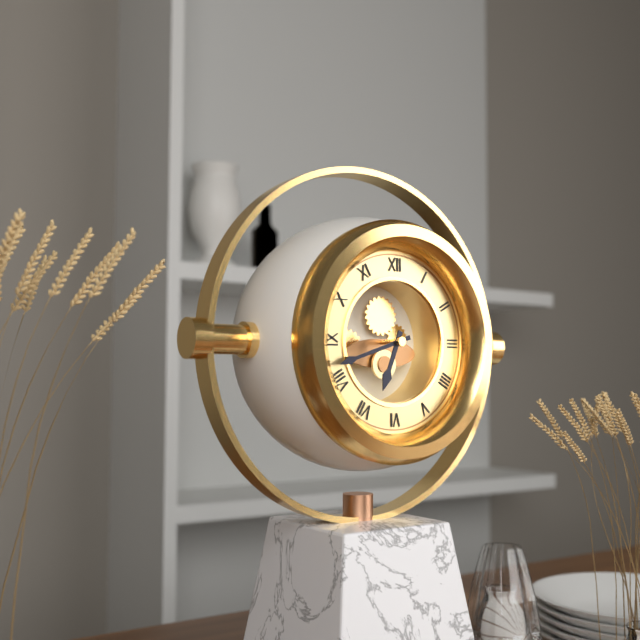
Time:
{"hour": 6, "minute": 42}
